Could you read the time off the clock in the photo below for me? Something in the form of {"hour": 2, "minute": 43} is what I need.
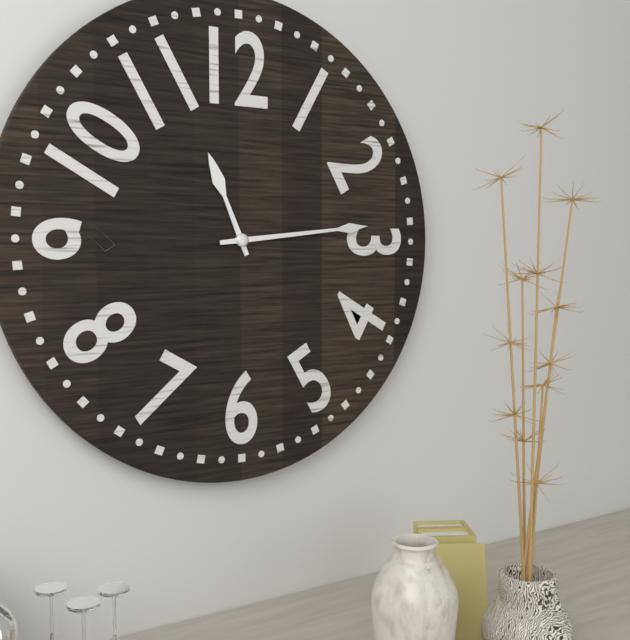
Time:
{"hour": 11, "minute": 14}
